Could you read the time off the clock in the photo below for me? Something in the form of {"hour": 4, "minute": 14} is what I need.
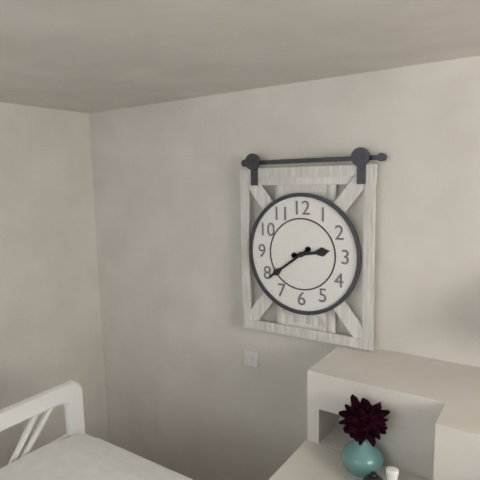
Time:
{"hour": 2, "minute": 39}
